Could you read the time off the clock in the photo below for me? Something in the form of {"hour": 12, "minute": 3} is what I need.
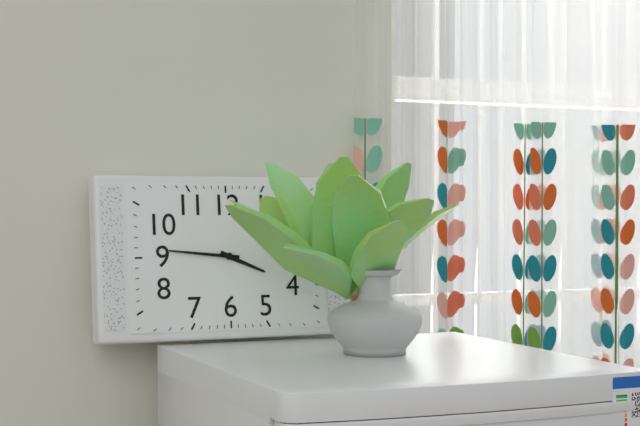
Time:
{"hour": 3, "minute": 46}
